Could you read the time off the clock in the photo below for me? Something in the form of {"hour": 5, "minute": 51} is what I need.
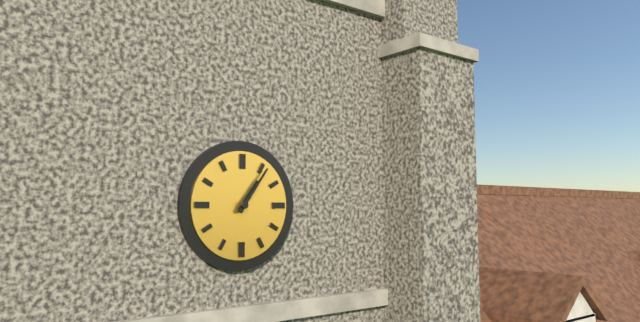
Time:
{"hour": 1, "minute": 6}
